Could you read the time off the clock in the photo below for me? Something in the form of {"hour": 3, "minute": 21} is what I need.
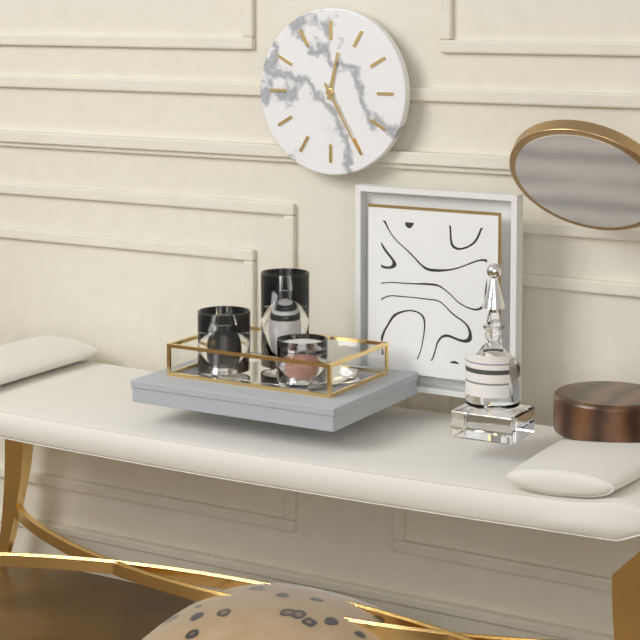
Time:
{"hour": 12, "minute": 25}
